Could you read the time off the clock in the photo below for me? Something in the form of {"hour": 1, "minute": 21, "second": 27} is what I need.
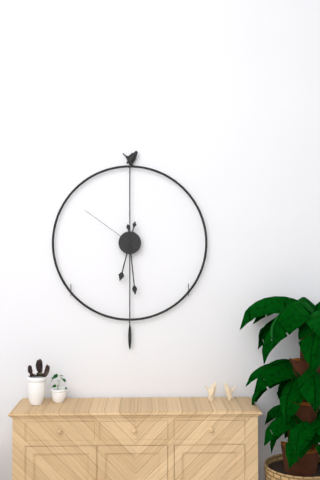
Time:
{"hour": 6, "minute": 29, "second": 51}
